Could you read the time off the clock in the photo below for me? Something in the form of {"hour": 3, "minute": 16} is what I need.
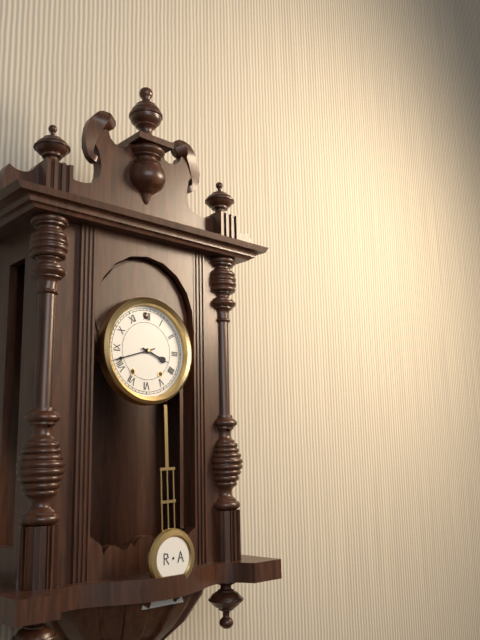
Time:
{"hour": 3, "minute": 42}
